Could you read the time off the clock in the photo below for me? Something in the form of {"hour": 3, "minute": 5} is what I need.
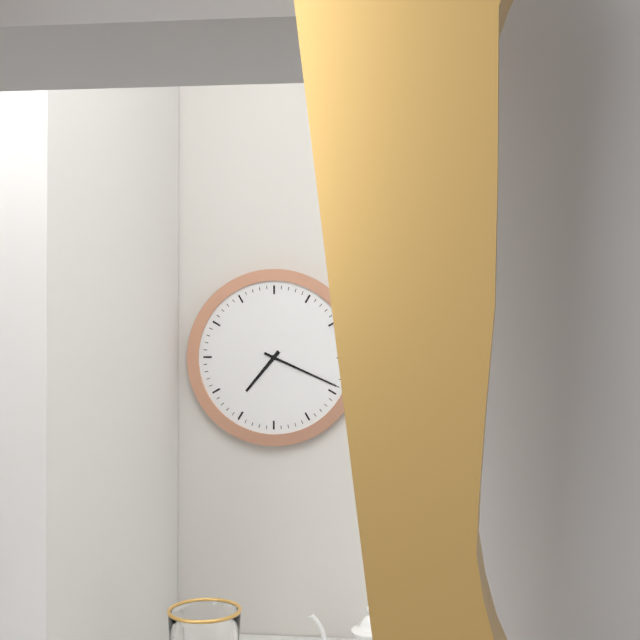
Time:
{"hour": 7, "minute": 19}
